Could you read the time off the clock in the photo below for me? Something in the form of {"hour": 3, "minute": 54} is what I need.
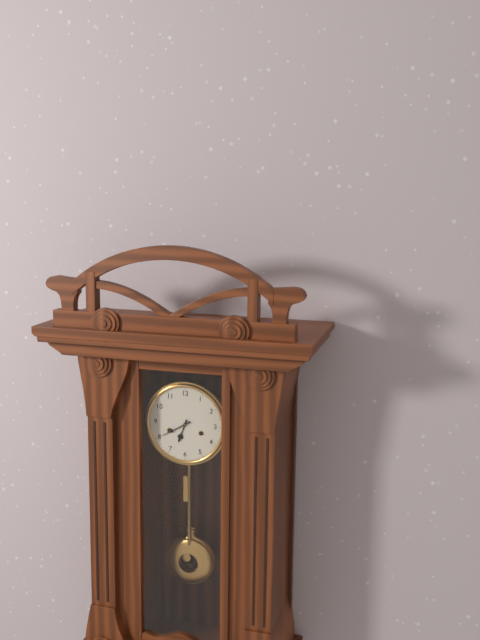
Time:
{"hour": 6, "minute": 40}
